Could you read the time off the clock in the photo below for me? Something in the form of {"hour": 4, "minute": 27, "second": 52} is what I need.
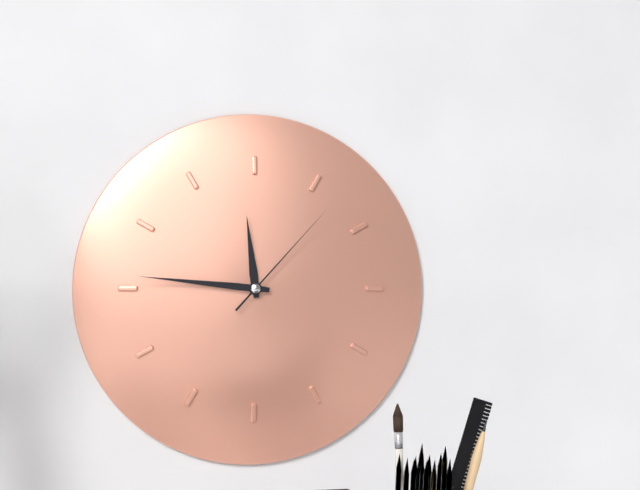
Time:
{"hour": 11, "minute": 46, "second": 7}
